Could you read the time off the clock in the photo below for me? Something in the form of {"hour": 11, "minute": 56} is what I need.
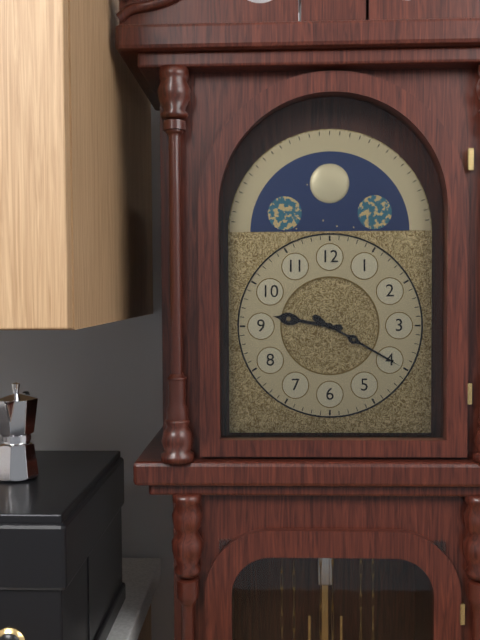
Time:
{"hour": 9, "minute": 20}
